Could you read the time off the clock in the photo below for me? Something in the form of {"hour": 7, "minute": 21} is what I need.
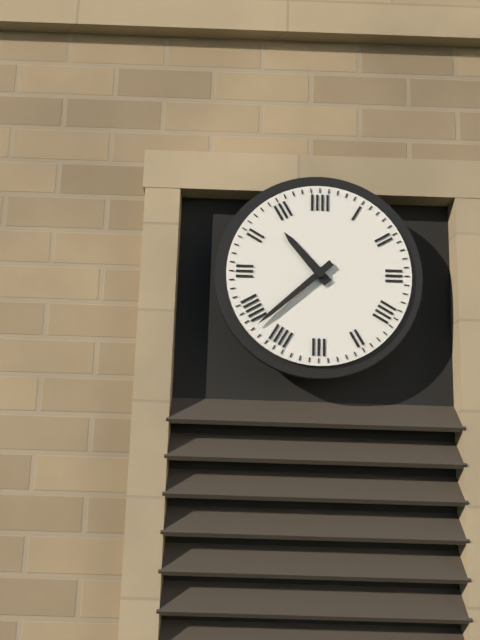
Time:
{"hour": 10, "minute": 38}
